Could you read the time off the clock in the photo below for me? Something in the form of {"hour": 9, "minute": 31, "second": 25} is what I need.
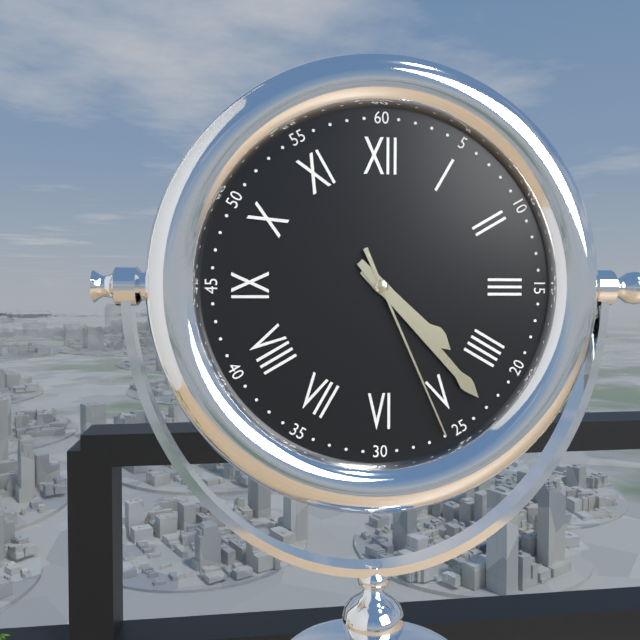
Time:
{"hour": 4, "minute": 23, "second": 26}
